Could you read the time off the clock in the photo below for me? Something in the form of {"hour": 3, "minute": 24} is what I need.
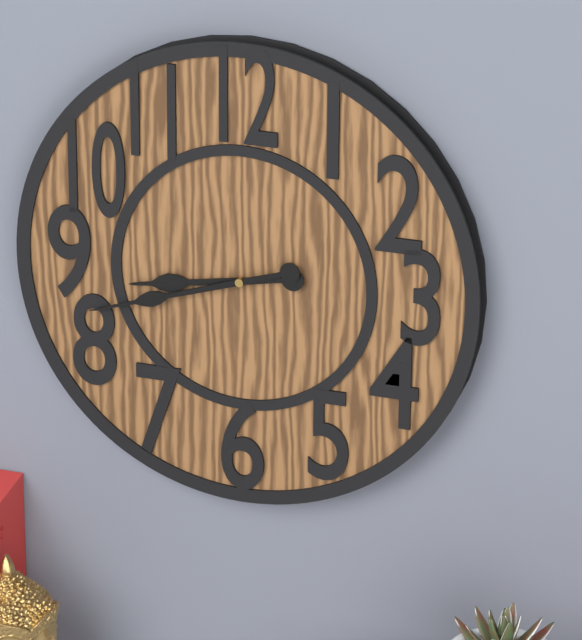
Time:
{"hour": 8, "minute": 42}
